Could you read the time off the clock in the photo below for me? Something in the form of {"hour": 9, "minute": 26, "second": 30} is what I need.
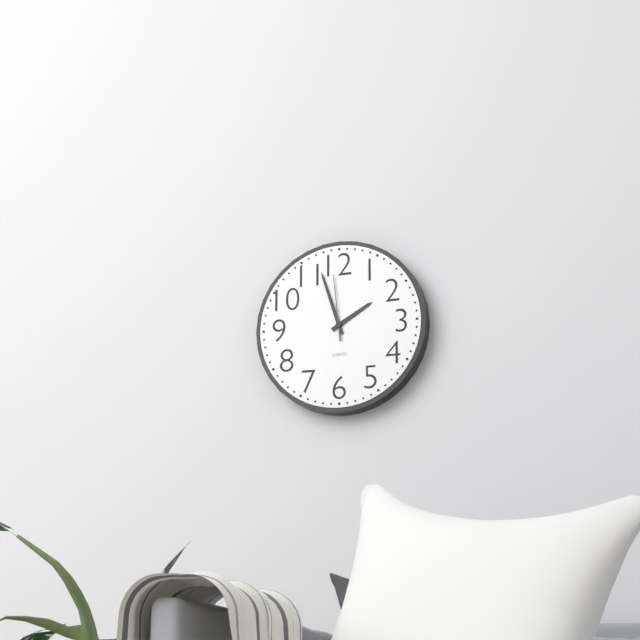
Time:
{"hour": 1, "minute": 57, "second": 59}
